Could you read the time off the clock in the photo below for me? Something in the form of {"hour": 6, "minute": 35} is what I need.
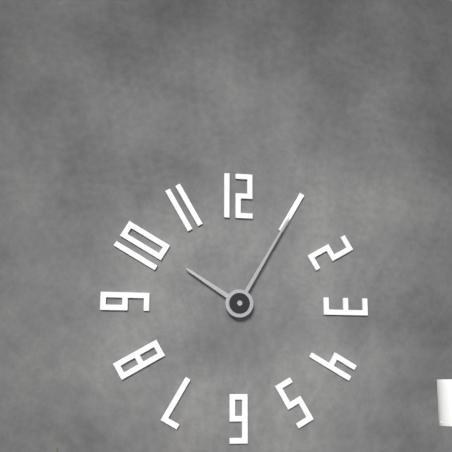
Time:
{"hour": 10, "minute": 5}
